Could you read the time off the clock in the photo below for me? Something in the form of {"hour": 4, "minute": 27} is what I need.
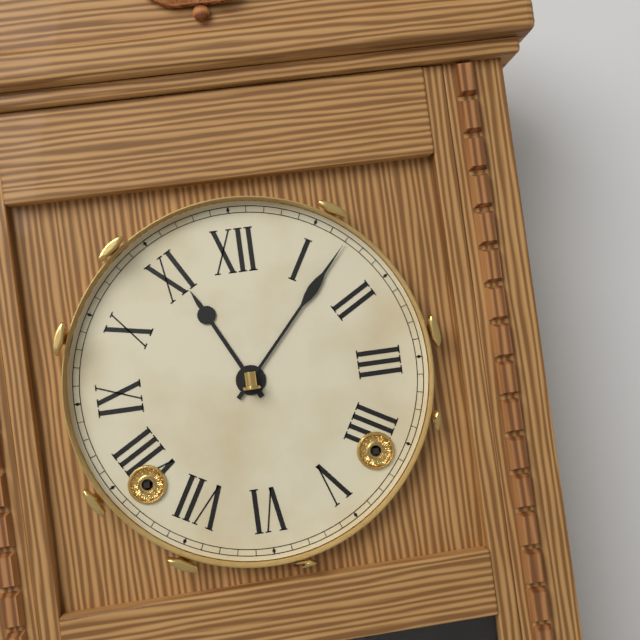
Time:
{"hour": 11, "minute": 7}
